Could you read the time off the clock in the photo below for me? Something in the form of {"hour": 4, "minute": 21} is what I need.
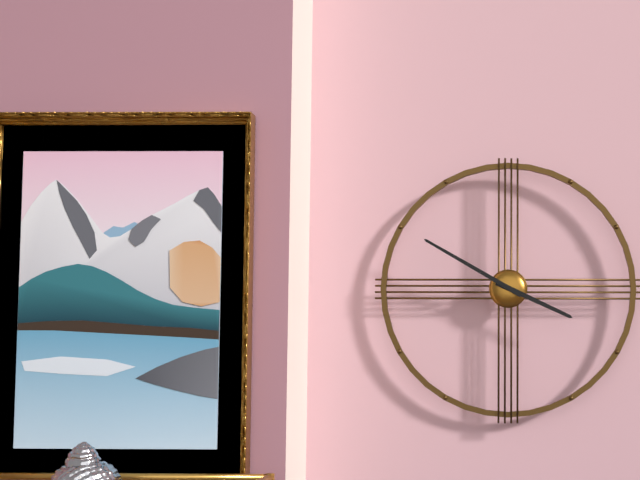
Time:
{"hour": 3, "minute": 50}
